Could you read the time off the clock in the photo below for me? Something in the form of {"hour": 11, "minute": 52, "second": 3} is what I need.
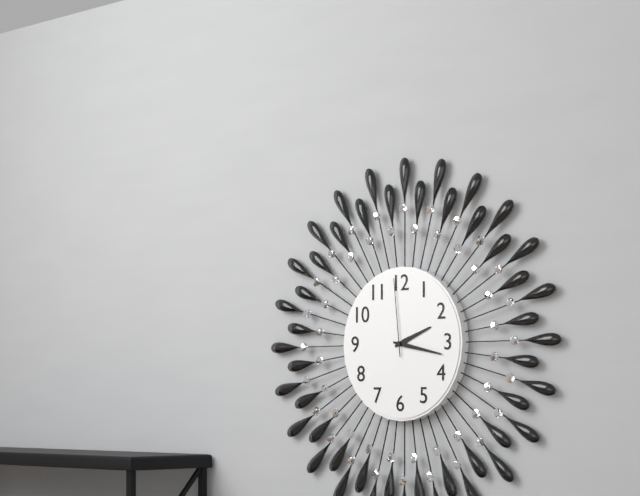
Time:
{"hour": 2, "minute": 17, "second": 59}
